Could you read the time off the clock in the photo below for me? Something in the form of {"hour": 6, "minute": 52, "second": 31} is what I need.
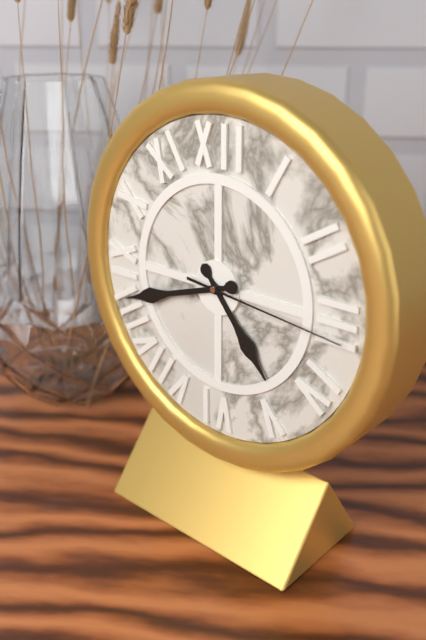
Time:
{"hour": 4, "minute": 42, "second": 16}
